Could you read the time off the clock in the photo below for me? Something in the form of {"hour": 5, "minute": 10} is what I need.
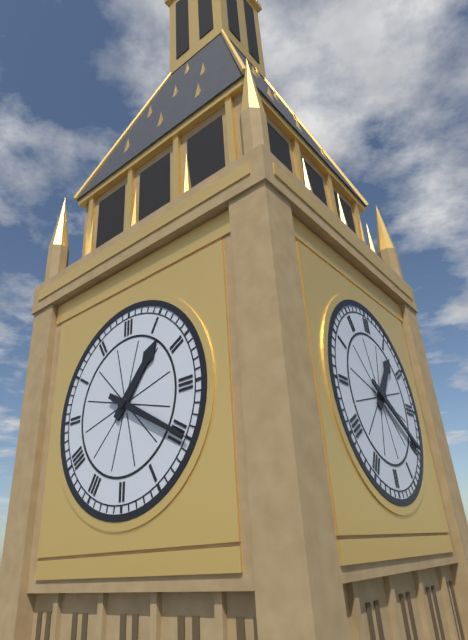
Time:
{"hour": 1, "minute": 20}
